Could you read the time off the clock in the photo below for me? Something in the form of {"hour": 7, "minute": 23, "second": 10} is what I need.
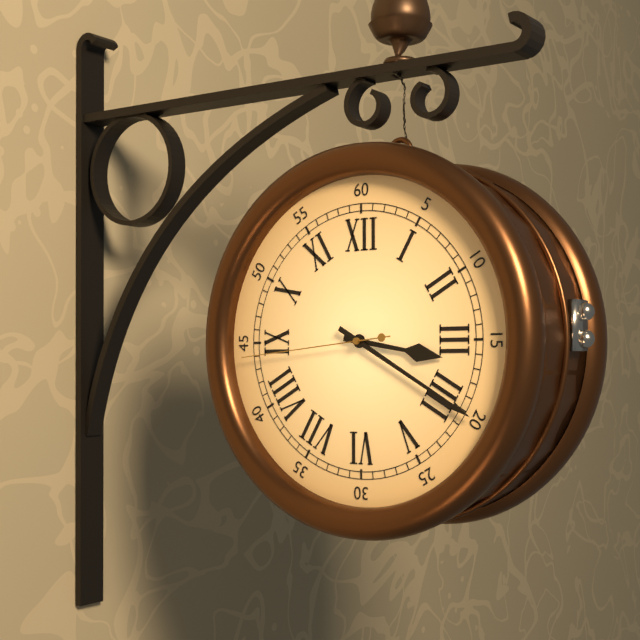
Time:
{"hour": 3, "minute": 20, "second": 44}
